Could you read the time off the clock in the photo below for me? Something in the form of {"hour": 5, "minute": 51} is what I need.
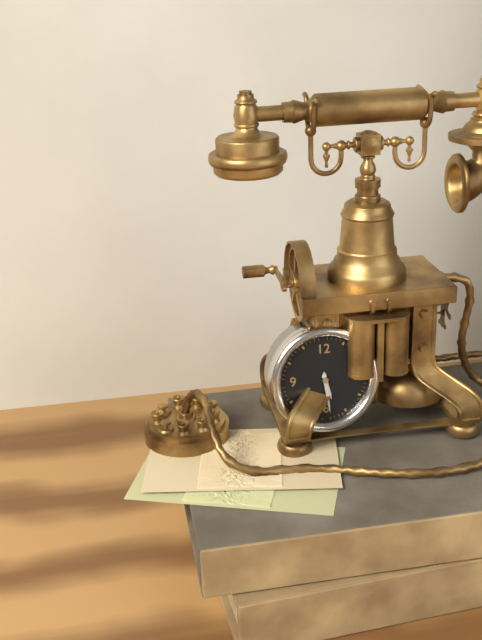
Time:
{"hour": 5, "minute": 29}
